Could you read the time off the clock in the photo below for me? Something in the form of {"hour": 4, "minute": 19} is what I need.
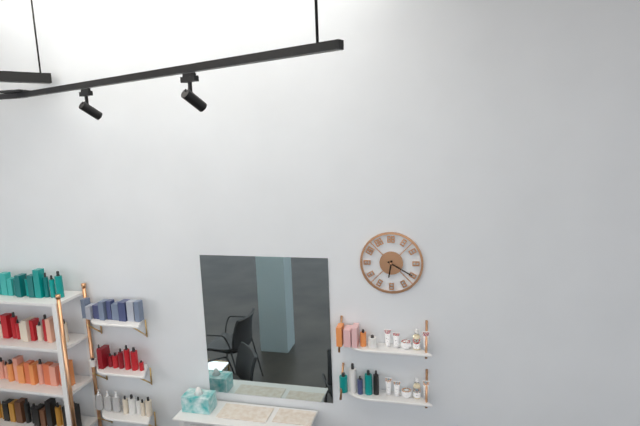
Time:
{"hour": 6, "minute": 20}
